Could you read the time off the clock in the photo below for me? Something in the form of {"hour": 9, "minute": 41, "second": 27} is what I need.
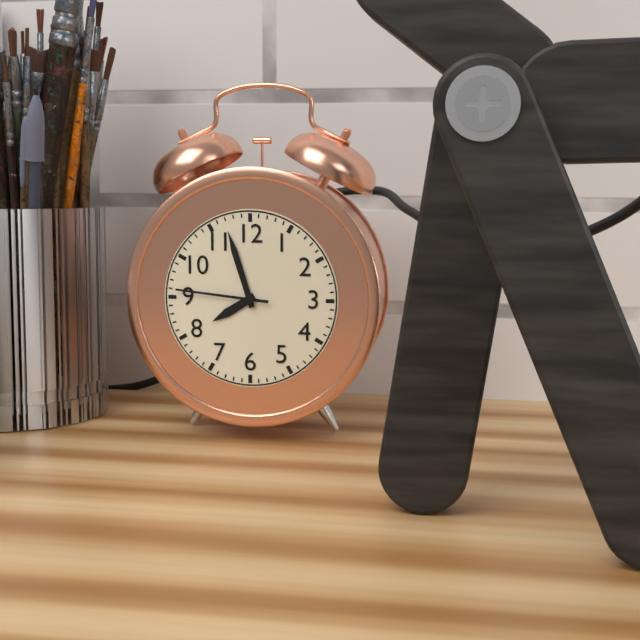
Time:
{"hour": 7, "minute": 57, "second": 46}
